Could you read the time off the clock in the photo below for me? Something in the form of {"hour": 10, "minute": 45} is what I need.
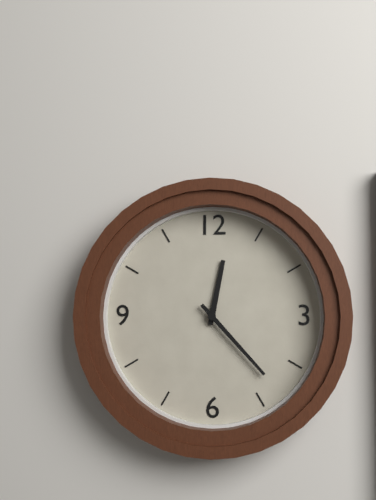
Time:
{"hour": 12, "minute": 23}
